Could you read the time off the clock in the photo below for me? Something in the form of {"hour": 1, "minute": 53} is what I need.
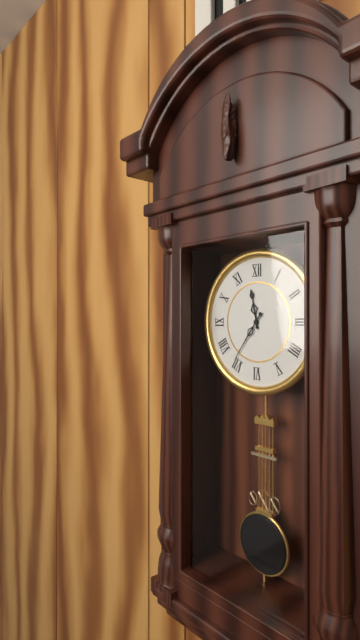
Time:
{"hour": 11, "minute": 36}
